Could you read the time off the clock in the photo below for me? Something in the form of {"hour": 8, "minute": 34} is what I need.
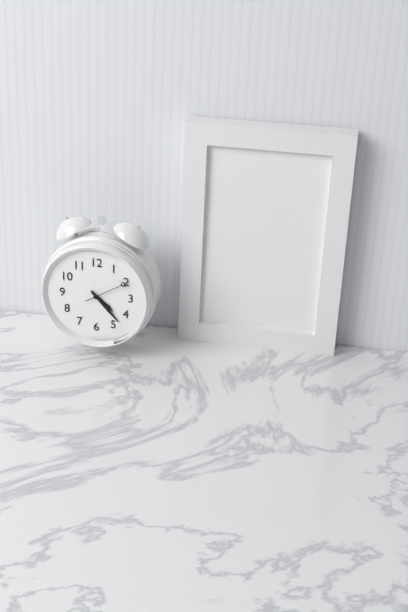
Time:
{"hour": 4, "minute": 23}
